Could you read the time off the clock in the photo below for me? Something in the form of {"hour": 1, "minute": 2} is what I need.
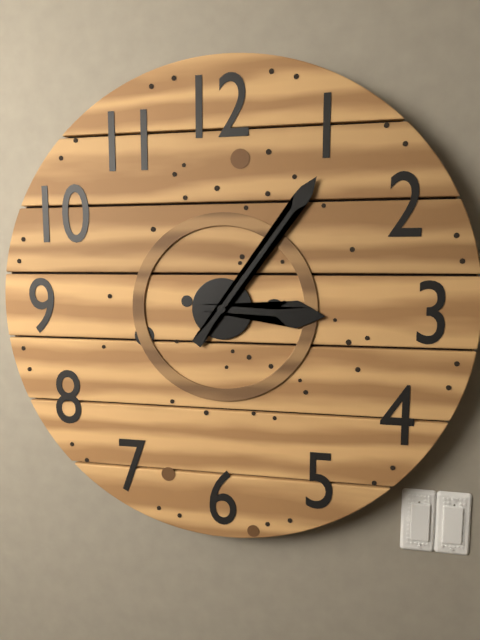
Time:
{"hour": 3, "minute": 6}
